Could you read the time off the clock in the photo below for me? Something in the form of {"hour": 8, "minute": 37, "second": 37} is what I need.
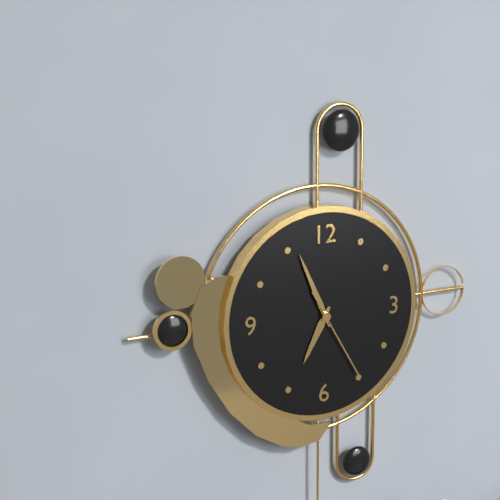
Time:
{"hour": 6, "minute": 56, "second": 25}
